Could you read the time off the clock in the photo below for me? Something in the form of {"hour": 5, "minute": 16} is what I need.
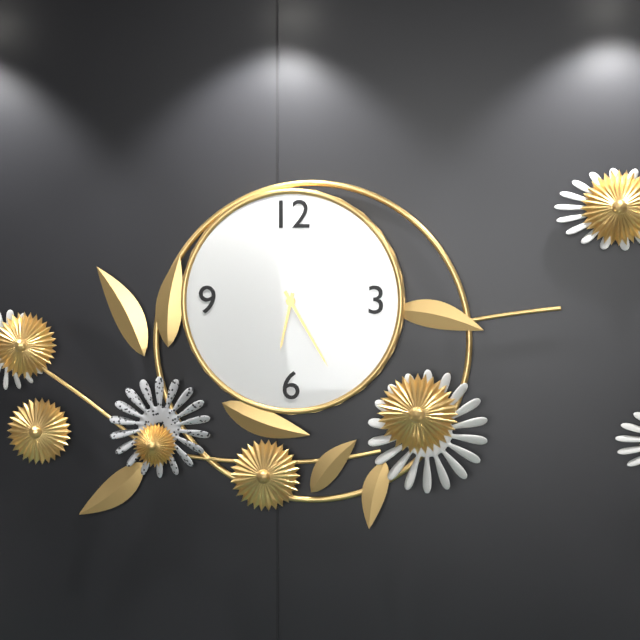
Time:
{"hour": 6, "minute": 25}
